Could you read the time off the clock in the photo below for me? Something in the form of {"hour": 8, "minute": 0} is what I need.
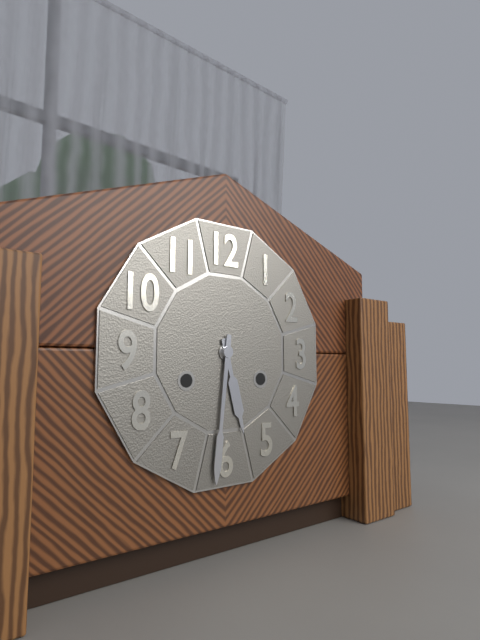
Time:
{"hour": 5, "minute": 31}
